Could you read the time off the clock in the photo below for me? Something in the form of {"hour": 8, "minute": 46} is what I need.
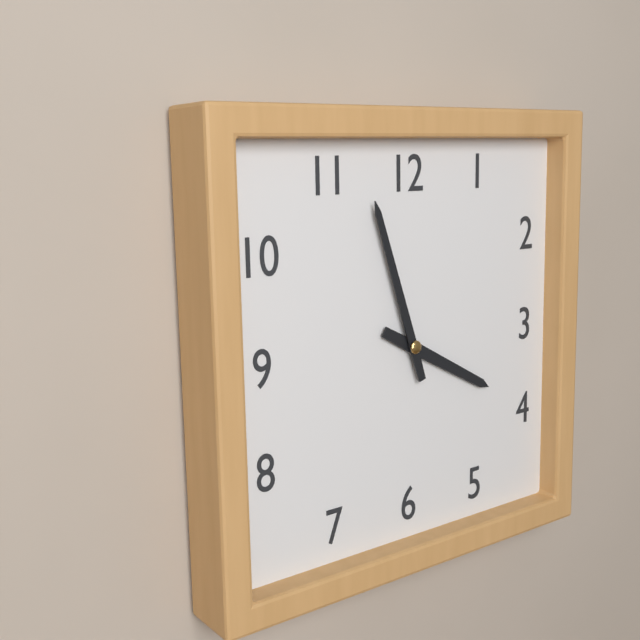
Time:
{"hour": 3, "minute": 57}
